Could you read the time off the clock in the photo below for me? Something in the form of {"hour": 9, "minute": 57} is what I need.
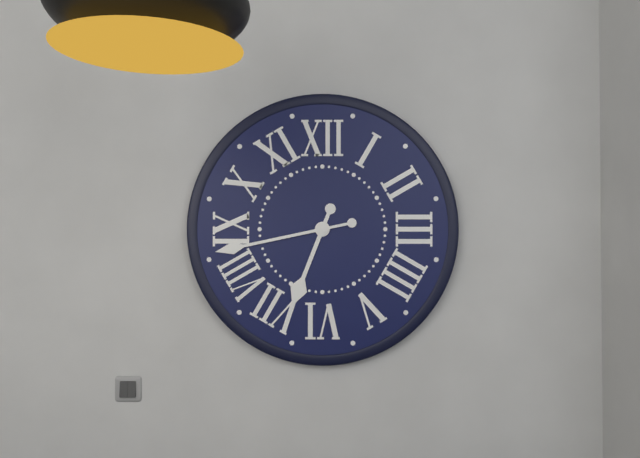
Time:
{"hour": 6, "minute": 43}
